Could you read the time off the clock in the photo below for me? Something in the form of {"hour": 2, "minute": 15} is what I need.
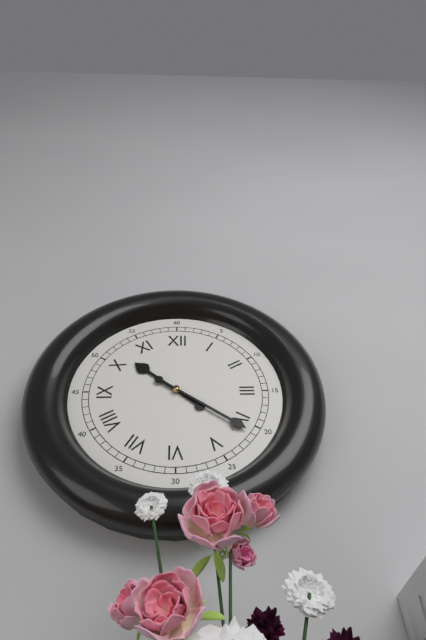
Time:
{"hour": 10, "minute": 21}
